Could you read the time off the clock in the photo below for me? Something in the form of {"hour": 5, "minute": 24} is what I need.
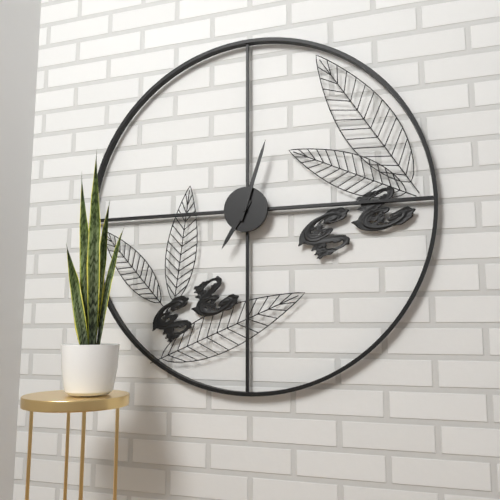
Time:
{"hour": 7, "minute": 3}
